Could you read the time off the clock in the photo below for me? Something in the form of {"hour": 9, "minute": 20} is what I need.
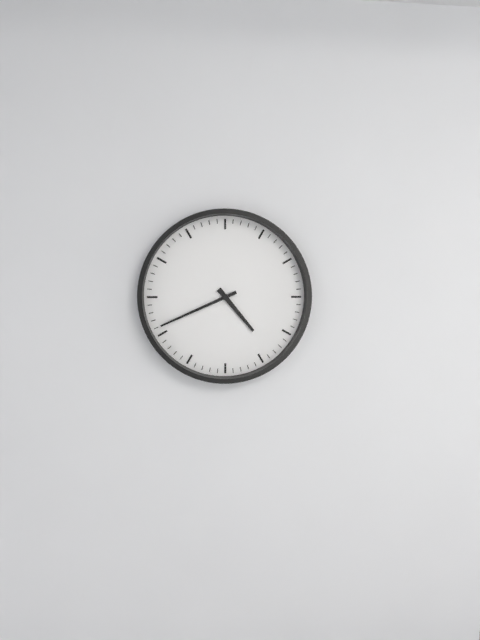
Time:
{"hour": 4, "minute": 41}
